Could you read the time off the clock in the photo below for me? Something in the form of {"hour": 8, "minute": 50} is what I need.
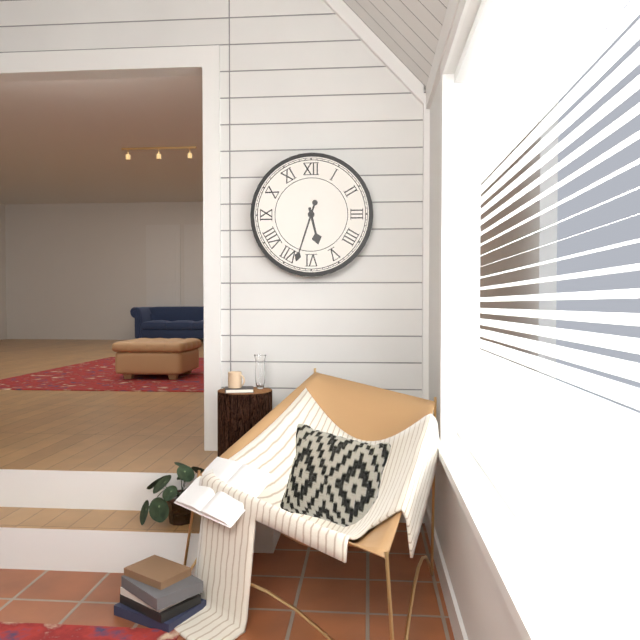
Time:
{"hour": 5, "minute": 33}
